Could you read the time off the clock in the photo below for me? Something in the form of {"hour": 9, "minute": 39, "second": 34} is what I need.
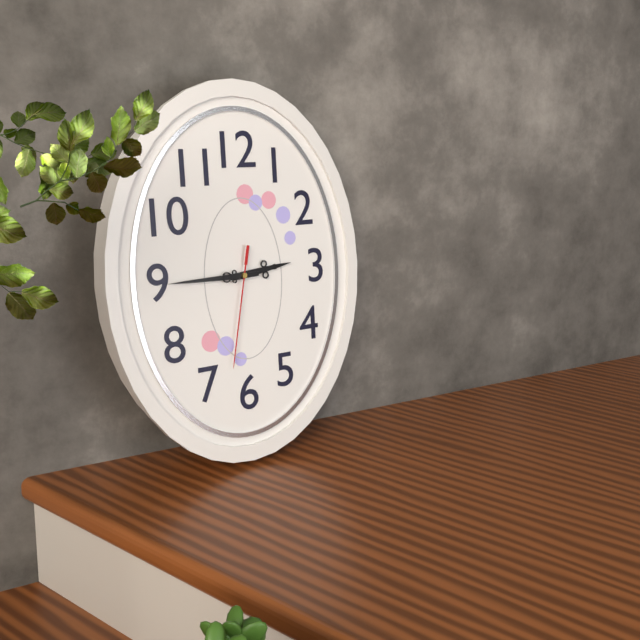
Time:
{"hour": 2, "minute": 45, "second": 32}
